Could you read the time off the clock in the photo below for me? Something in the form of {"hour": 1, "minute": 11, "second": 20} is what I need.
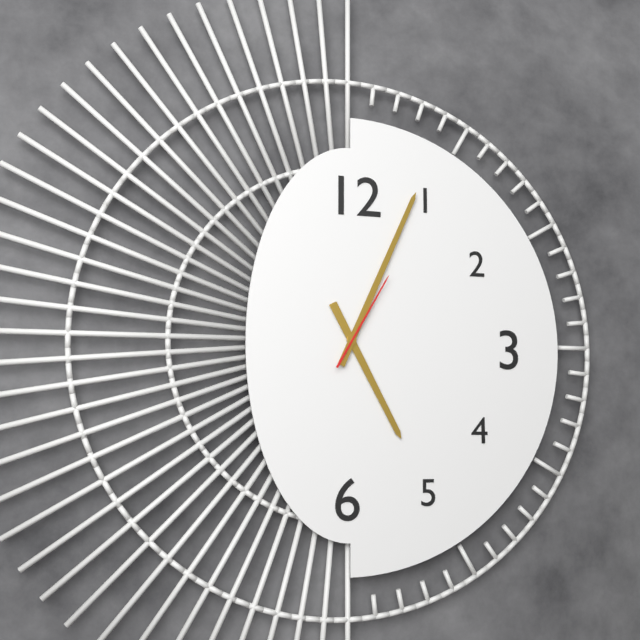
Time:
{"hour": 5, "minute": 4, "second": 5}
